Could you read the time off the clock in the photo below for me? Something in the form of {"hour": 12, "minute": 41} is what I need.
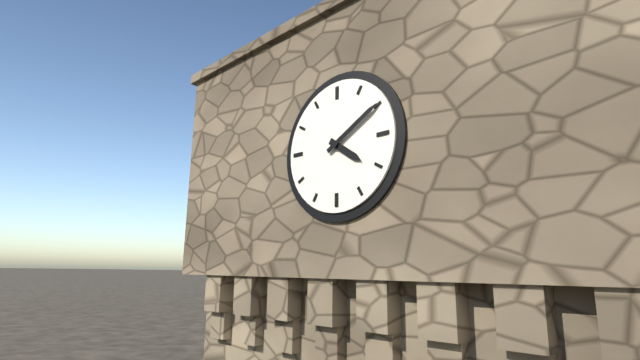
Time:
{"hour": 4, "minute": 10}
